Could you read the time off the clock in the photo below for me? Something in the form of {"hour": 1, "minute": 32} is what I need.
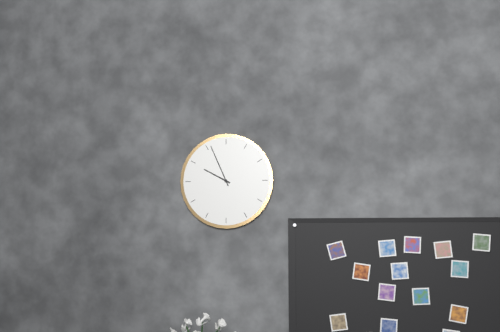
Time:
{"hour": 9, "minute": 56}
